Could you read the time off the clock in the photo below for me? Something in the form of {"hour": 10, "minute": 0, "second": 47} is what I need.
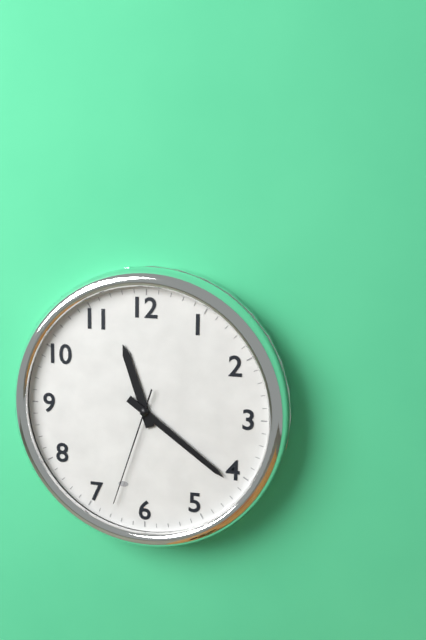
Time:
{"hour": 11, "minute": 21, "second": 33}
